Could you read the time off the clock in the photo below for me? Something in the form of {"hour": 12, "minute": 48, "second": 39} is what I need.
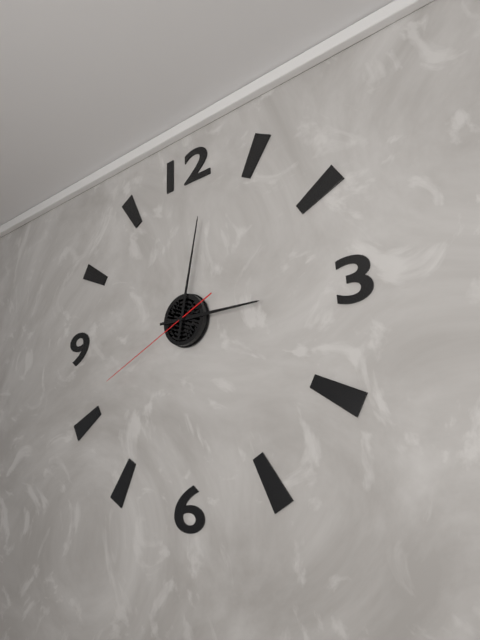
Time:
{"hour": 3, "minute": 2, "second": 41}
